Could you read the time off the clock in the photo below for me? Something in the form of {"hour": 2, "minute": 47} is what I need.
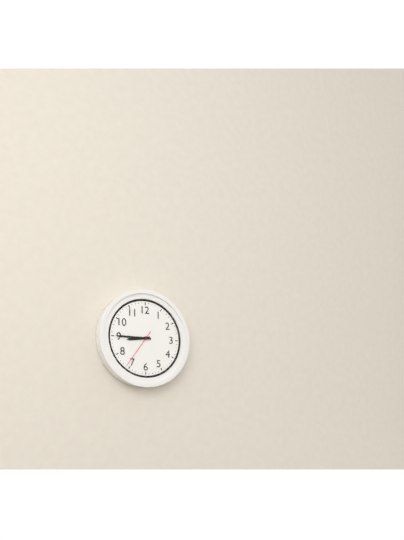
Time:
{"hour": 8, "minute": 45}
